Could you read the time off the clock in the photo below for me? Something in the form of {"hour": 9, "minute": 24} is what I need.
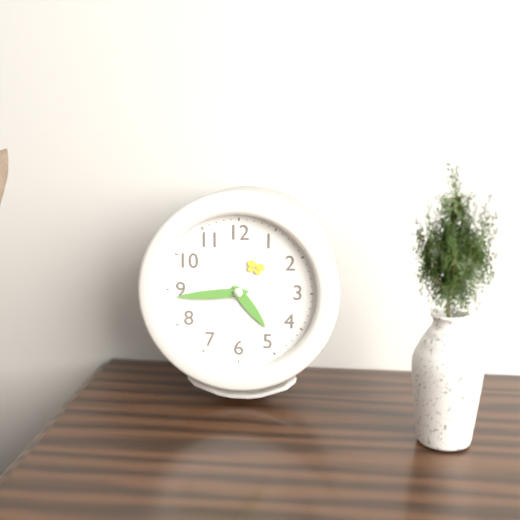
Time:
{"hour": 4, "minute": 44}
